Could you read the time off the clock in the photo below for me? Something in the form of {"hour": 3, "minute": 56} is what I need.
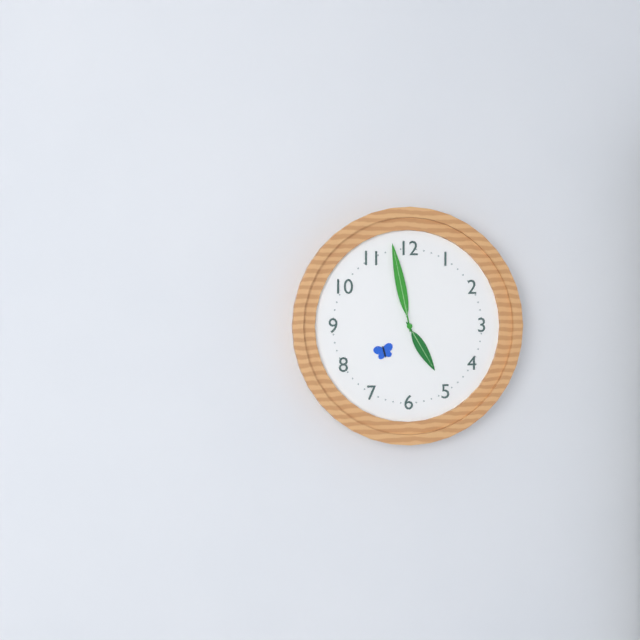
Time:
{"hour": 4, "minute": 58}
